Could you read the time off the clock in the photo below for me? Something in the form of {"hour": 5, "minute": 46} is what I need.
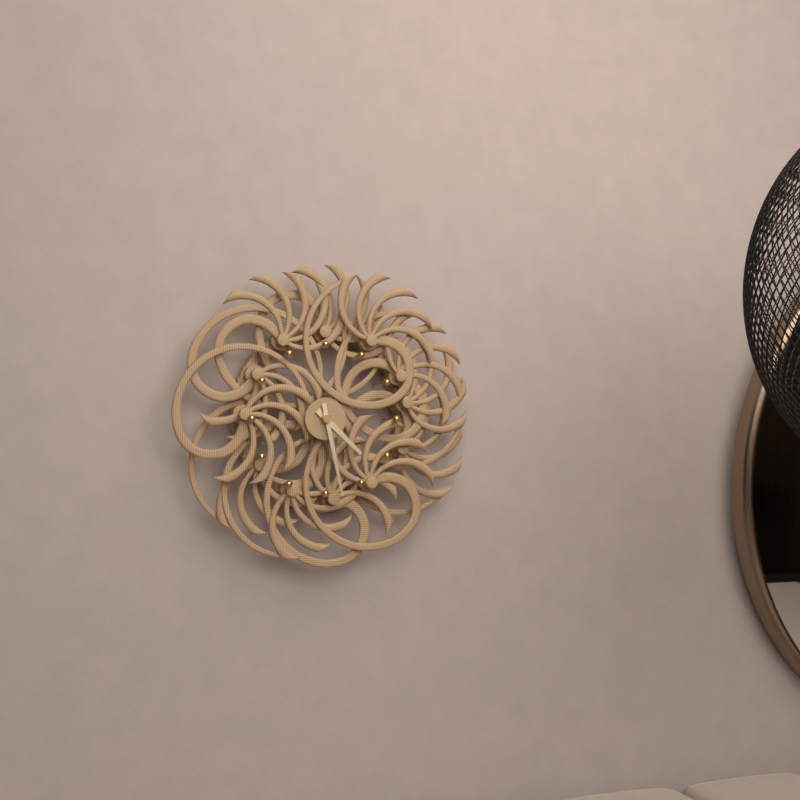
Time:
{"hour": 4, "minute": 28}
